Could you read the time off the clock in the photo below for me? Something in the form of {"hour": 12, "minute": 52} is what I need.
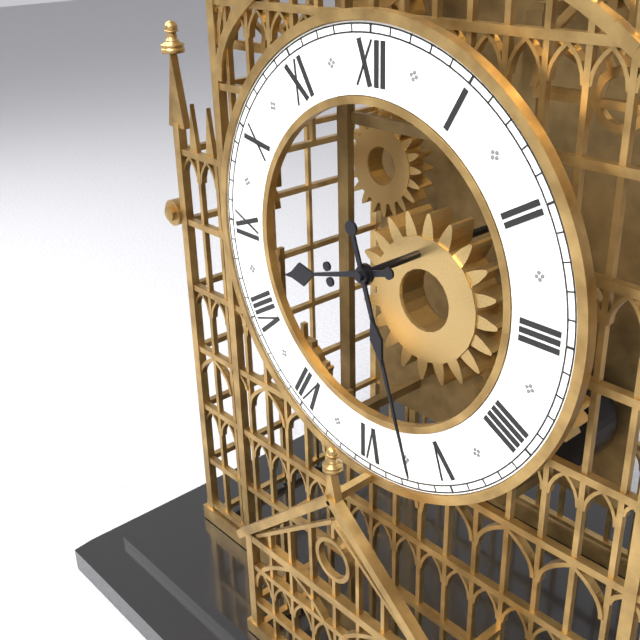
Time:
{"hour": 8, "minute": 27}
